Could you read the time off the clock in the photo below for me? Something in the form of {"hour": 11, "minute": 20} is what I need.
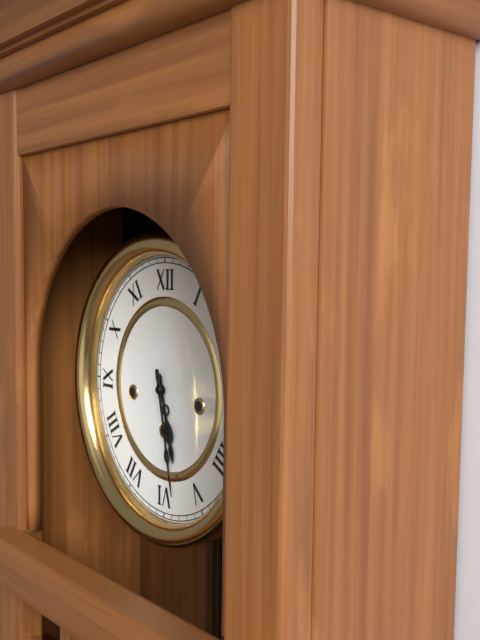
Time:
{"hour": 5, "minute": 28}
